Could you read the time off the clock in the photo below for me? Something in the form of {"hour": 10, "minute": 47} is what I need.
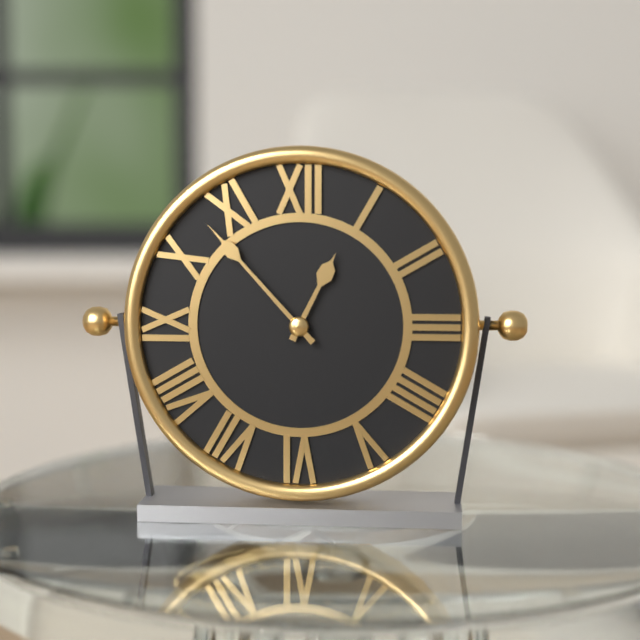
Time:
{"hour": 12, "minute": 53}
